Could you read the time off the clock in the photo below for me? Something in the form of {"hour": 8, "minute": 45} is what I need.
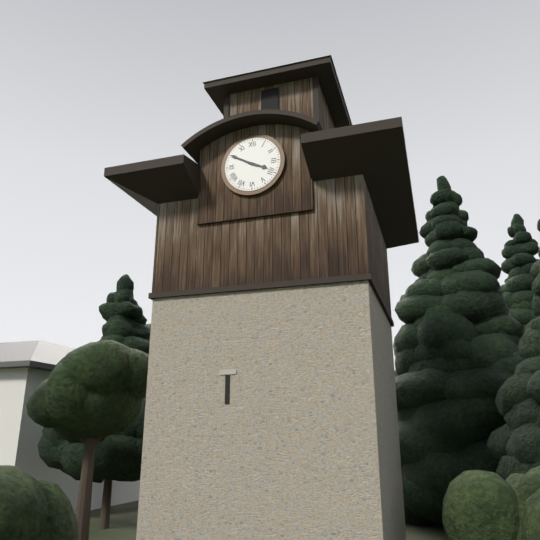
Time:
{"hour": 3, "minute": 50}
